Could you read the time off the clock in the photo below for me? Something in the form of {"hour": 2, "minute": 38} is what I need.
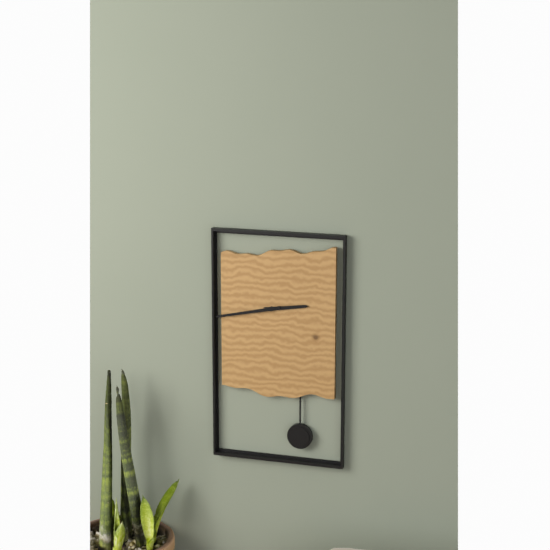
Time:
{"hour": 2, "minute": 43}
